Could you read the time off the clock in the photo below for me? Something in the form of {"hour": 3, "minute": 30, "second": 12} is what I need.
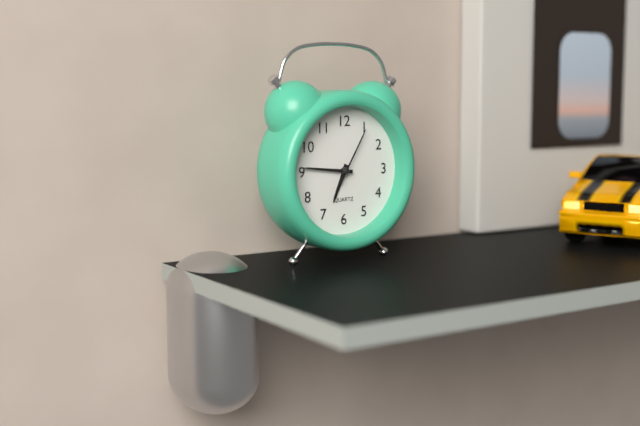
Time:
{"hour": 6, "minute": 46, "second": 5}
